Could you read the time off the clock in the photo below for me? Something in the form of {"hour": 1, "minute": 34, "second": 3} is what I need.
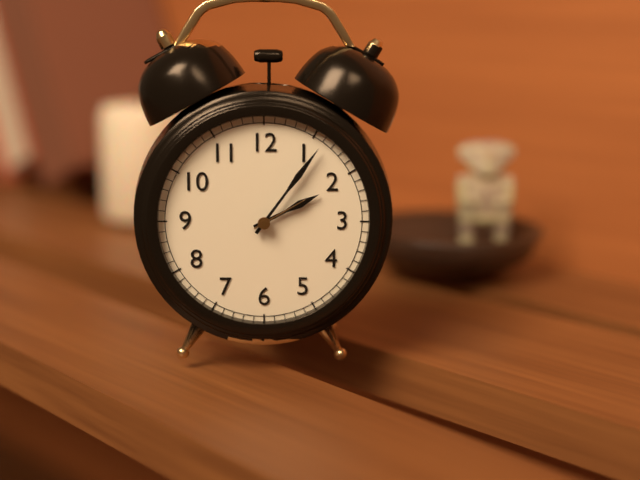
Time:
{"hour": 2, "minute": 6, "second": 10}
